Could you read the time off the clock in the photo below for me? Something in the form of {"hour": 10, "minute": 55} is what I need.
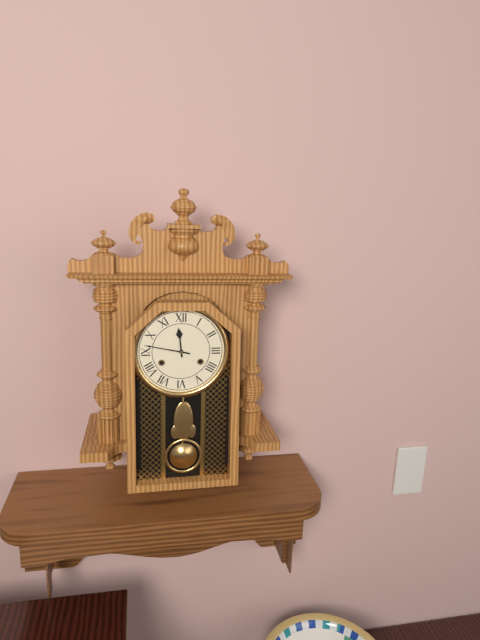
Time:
{"hour": 11, "minute": 47}
